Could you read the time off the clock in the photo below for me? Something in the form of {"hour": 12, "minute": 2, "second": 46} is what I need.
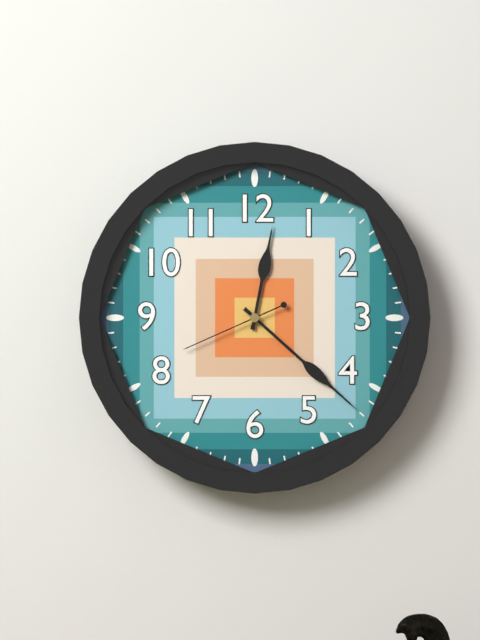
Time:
{"hour": 12, "minute": 22, "second": 41}
